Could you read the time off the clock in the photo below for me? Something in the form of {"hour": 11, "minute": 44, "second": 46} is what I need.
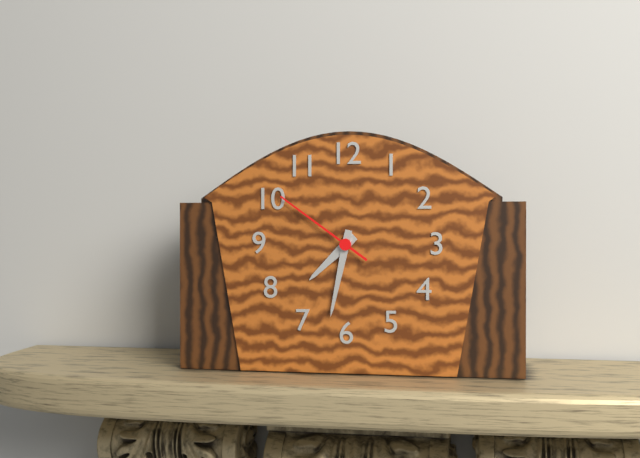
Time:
{"hour": 7, "minute": 32, "second": 51}
